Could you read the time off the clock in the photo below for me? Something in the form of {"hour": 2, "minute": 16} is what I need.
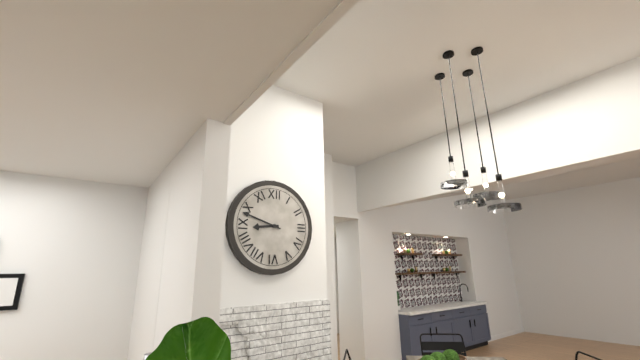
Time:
{"hour": 8, "minute": 48}
